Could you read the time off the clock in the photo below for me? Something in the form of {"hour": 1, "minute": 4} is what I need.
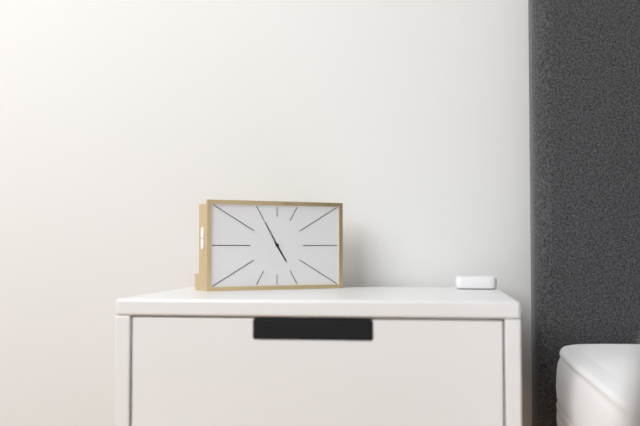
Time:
{"hour": 4, "minute": 55}
